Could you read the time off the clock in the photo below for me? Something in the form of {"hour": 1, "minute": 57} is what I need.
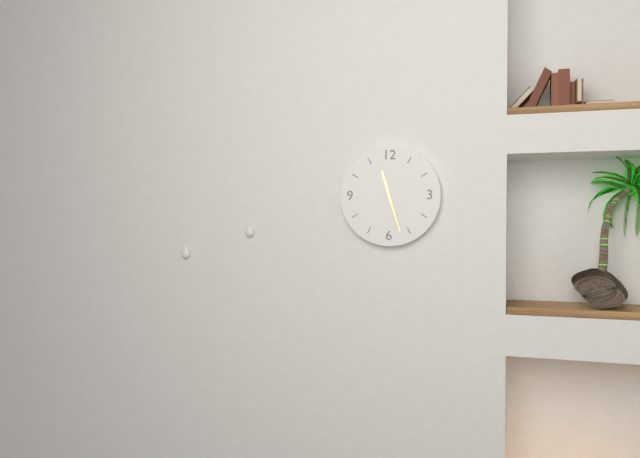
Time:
{"hour": 11, "minute": 27}
